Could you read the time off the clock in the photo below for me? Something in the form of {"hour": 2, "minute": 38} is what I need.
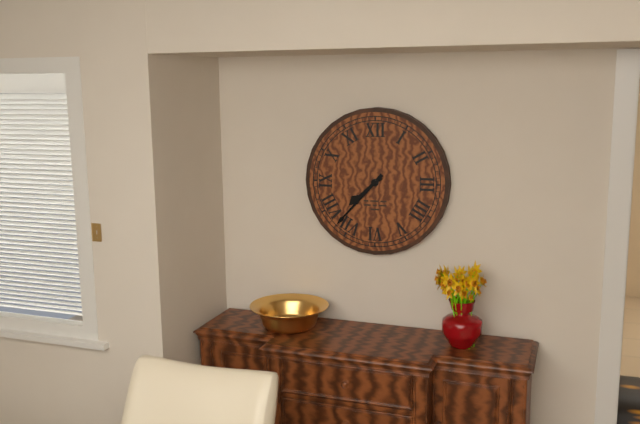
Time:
{"hour": 7, "minute": 37}
